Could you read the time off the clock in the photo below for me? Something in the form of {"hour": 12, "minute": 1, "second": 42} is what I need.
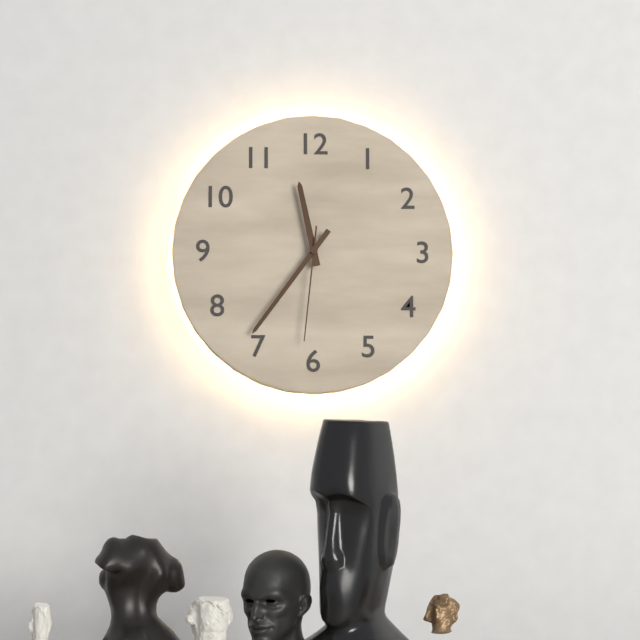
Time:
{"hour": 11, "minute": 36, "second": 31}
